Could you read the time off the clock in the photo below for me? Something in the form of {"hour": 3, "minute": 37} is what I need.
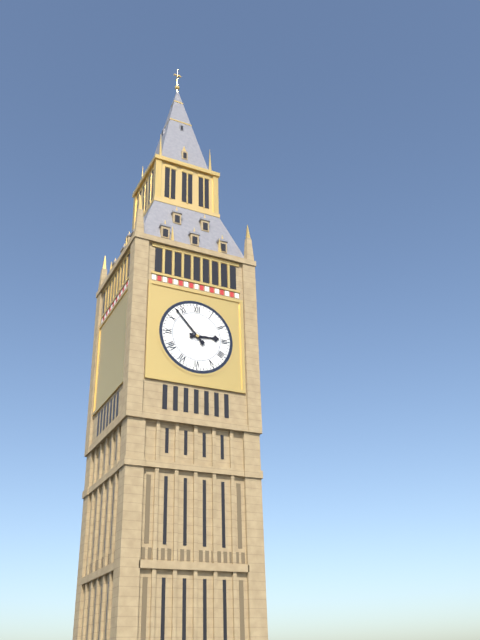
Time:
{"hour": 2, "minute": 53}
